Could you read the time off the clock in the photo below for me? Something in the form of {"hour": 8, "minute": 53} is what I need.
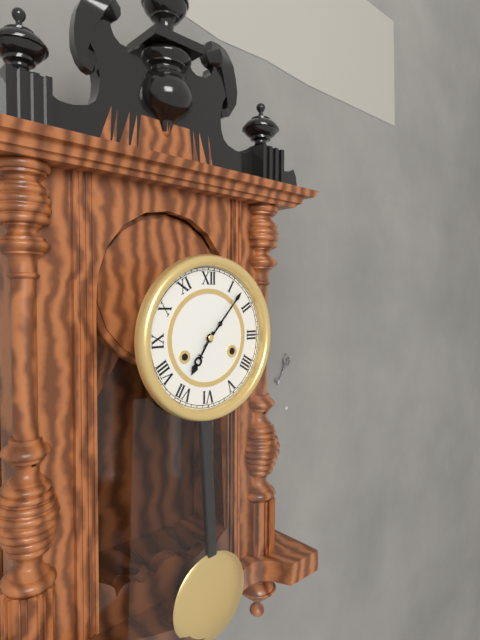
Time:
{"hour": 7, "minute": 7}
